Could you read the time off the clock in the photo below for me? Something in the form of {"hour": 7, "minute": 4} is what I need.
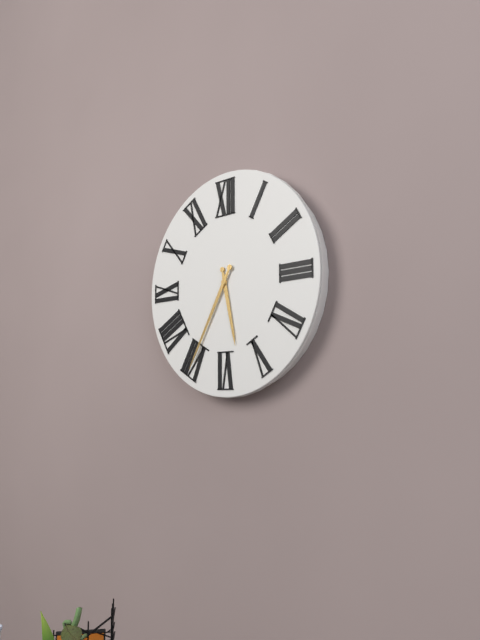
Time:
{"hour": 5, "minute": 35}
